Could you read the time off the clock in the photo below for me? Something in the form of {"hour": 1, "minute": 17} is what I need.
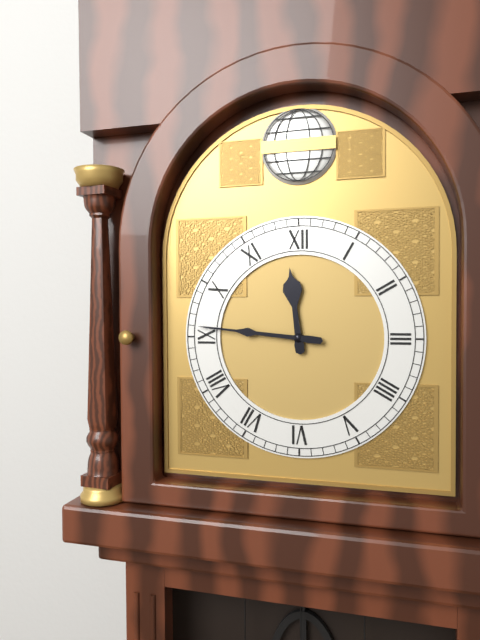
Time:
{"hour": 11, "minute": 46}
